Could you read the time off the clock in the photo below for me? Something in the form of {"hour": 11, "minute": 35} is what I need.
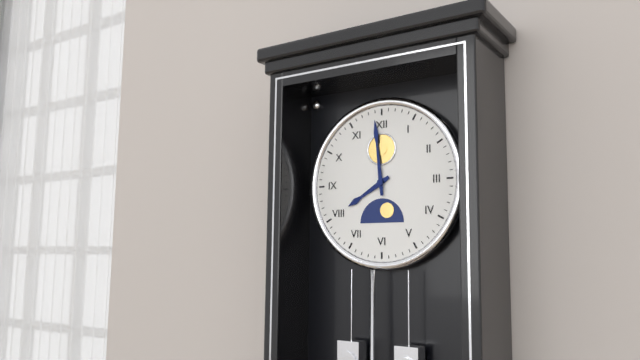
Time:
{"hour": 7, "minute": 59}
